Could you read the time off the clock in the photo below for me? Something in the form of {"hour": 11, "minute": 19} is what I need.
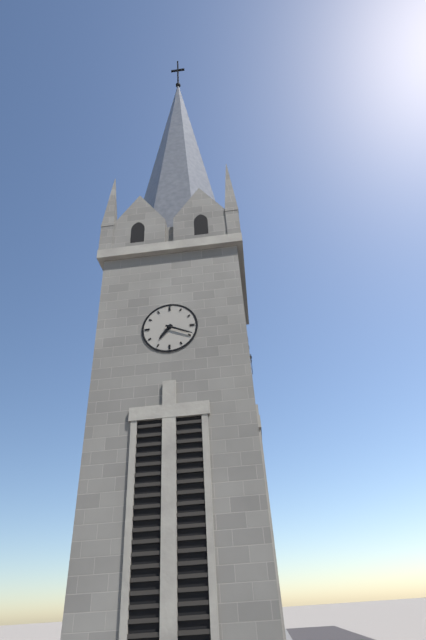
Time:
{"hour": 7, "minute": 19}
